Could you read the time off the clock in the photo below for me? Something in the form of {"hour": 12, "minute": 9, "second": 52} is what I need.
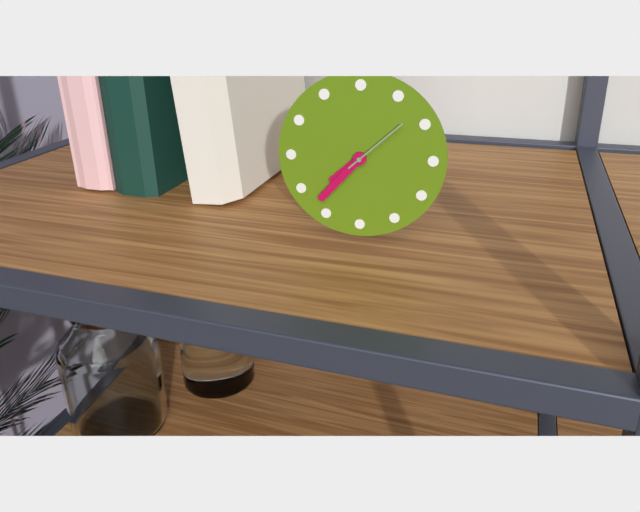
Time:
{"hour": 7, "minute": 37, "second": 8}
